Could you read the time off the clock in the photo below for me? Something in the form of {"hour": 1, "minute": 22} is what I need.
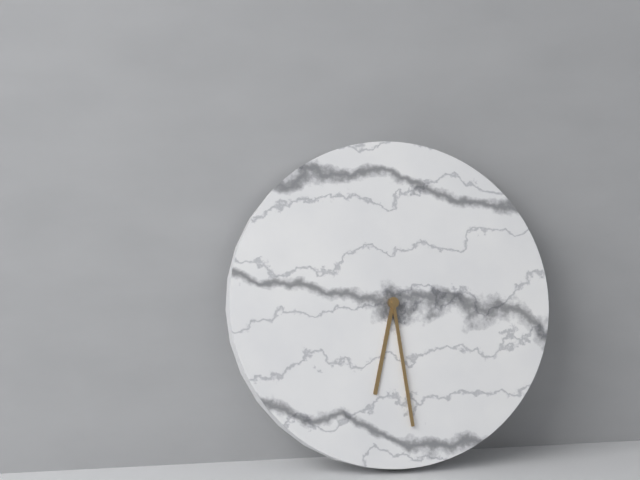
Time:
{"hour": 6, "minute": 29}
